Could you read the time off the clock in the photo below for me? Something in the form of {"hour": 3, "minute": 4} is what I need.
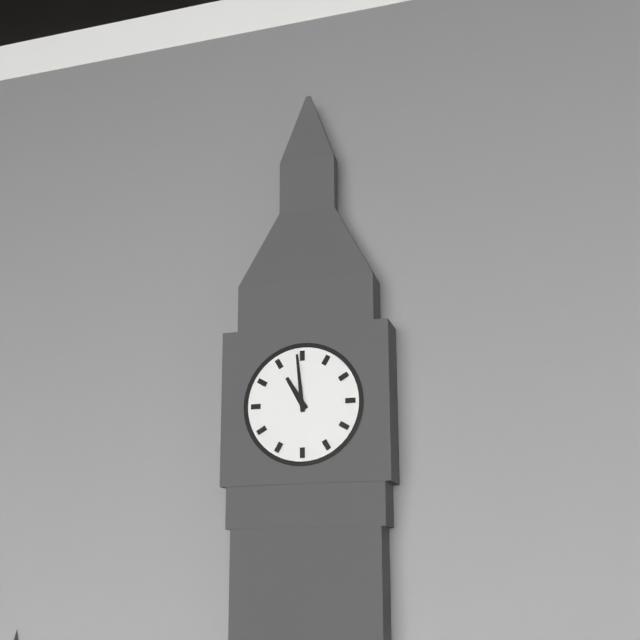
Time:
{"hour": 10, "minute": 59}
